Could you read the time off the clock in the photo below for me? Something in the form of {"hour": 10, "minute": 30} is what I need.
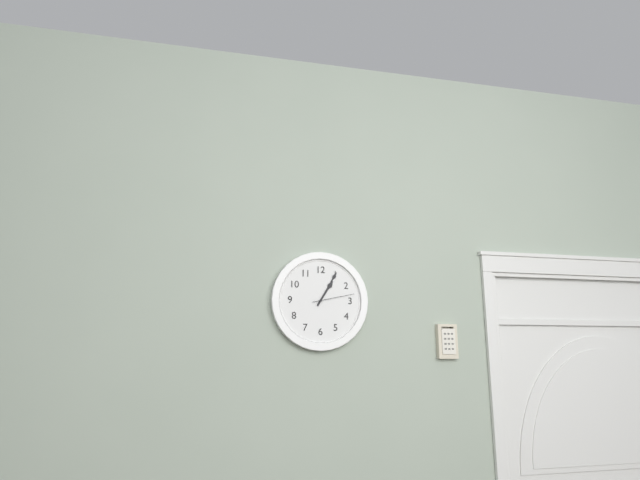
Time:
{"hour": 1, "minute": 5}
